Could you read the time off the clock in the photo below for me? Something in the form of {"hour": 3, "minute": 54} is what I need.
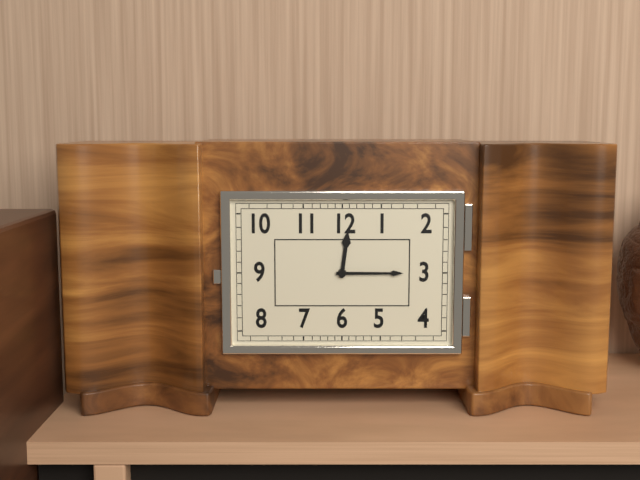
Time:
{"hour": 12, "minute": 15}
